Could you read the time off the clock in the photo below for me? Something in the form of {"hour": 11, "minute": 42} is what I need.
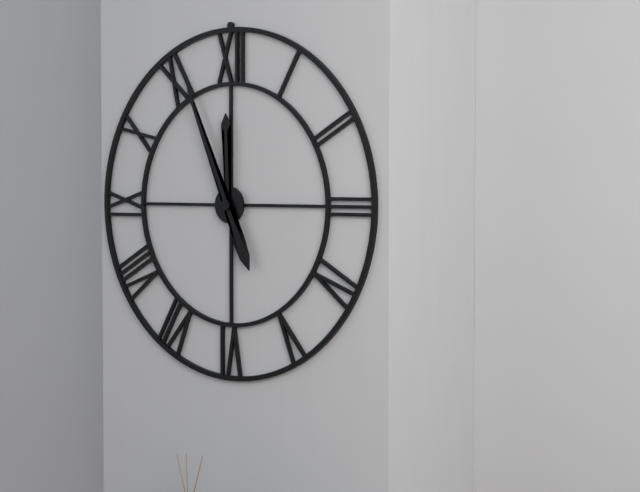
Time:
{"hour": 11, "minute": 56}
